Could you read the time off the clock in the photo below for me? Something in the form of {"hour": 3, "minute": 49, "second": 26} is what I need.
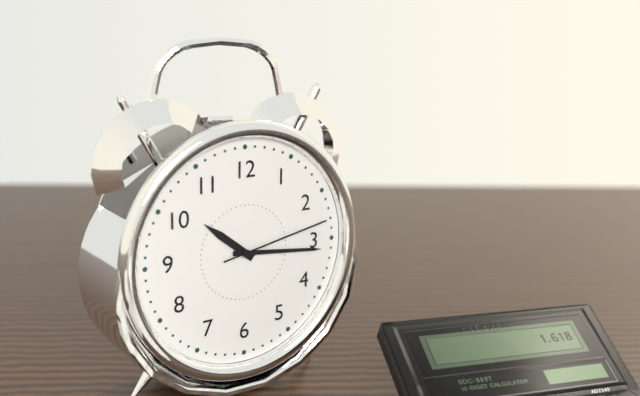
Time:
{"hour": 10, "minute": 16, "second": 13}
